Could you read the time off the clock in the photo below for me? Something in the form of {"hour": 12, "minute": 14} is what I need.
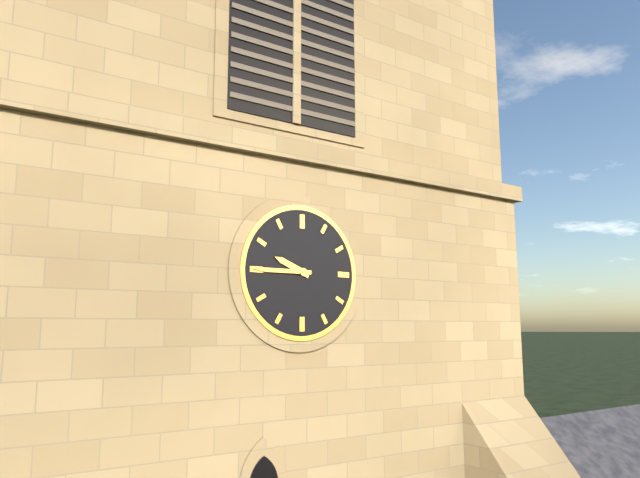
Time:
{"hour": 9, "minute": 45}
